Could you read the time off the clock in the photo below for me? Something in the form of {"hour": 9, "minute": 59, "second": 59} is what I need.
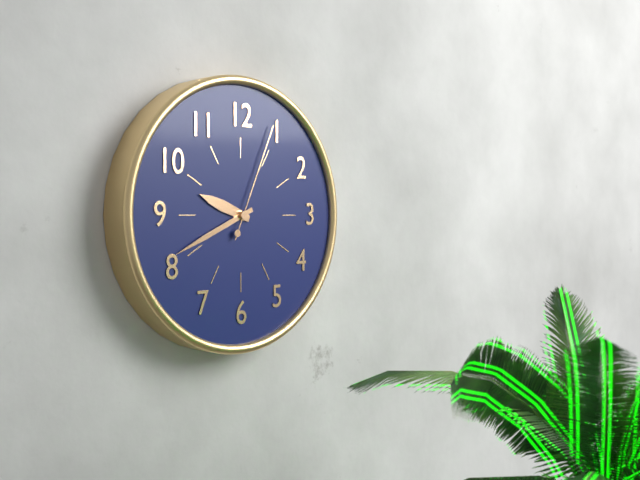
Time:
{"hour": 9, "minute": 41, "second": 4}
